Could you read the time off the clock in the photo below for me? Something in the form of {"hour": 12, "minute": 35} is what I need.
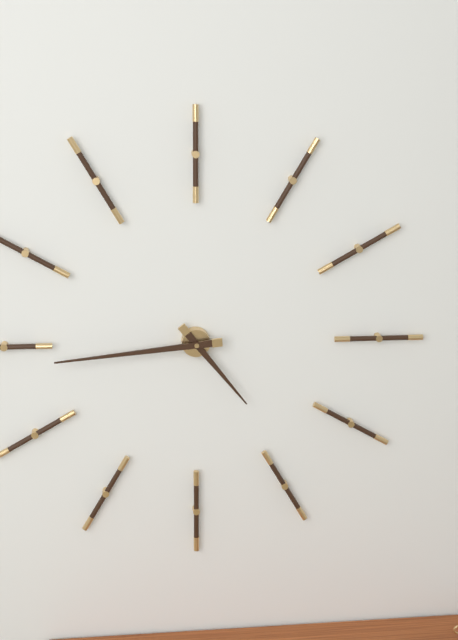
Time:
{"hour": 4, "minute": 44}
